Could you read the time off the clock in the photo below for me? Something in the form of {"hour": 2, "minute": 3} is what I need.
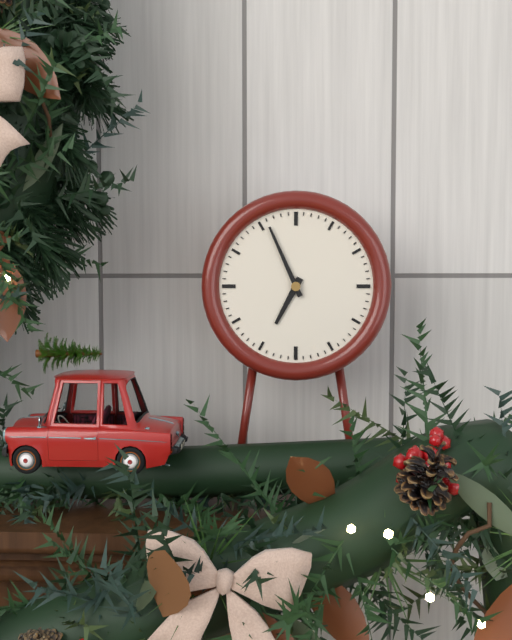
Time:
{"hour": 6, "minute": 56}
